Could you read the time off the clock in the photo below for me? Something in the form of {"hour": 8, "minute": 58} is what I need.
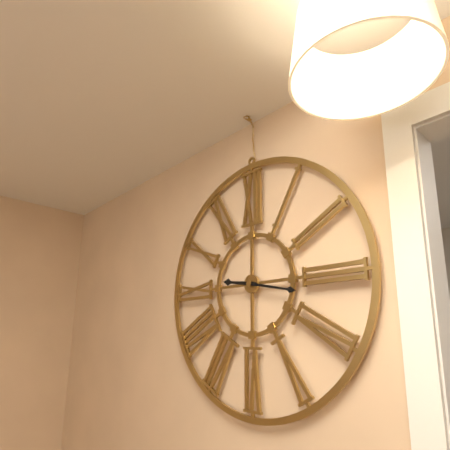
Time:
{"hour": 9, "minute": 17}
